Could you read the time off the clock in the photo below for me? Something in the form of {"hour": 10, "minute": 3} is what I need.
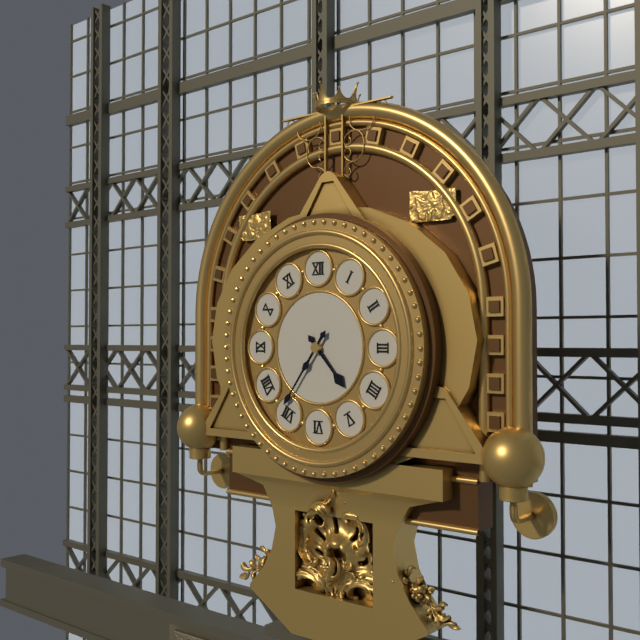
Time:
{"hour": 4, "minute": 36}
